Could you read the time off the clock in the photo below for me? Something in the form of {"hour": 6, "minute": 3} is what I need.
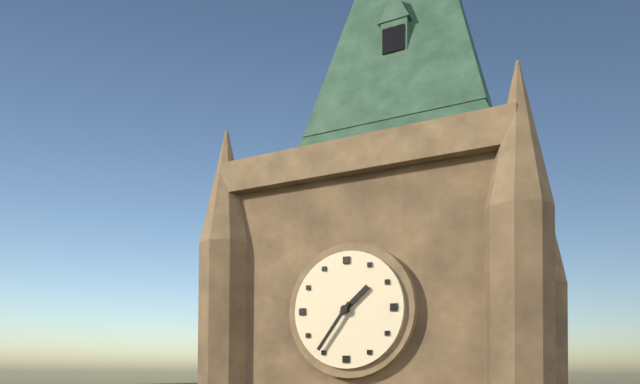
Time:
{"hour": 1, "minute": 36}
